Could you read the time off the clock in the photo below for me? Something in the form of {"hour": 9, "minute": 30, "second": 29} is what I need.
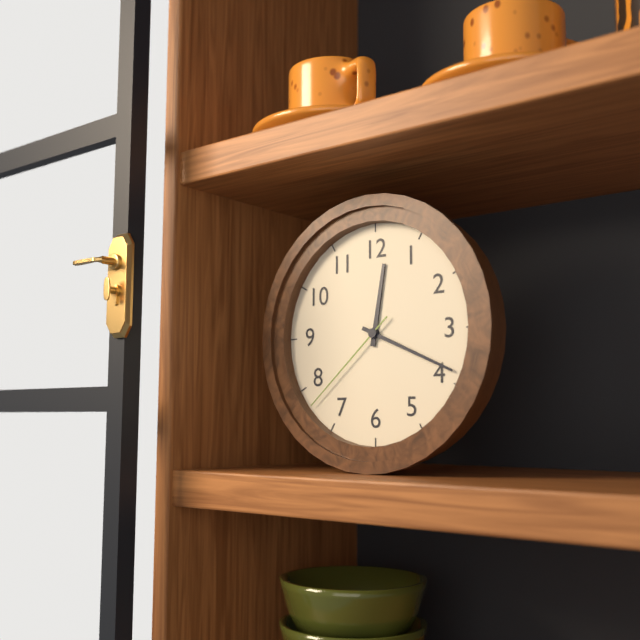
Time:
{"hour": 12, "minute": 19, "second": 38}
